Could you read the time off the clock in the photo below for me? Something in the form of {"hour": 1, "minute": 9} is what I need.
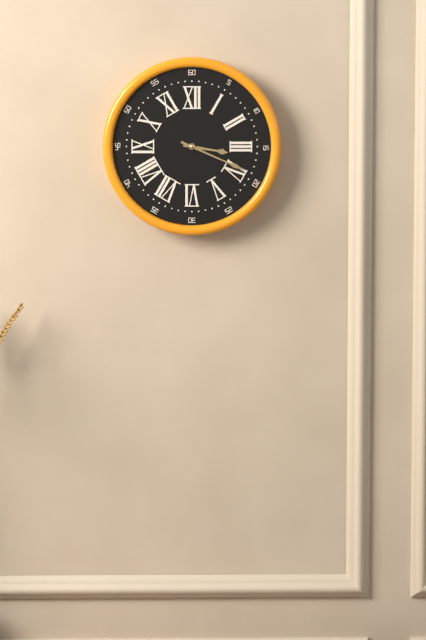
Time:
{"hour": 3, "minute": 19}
